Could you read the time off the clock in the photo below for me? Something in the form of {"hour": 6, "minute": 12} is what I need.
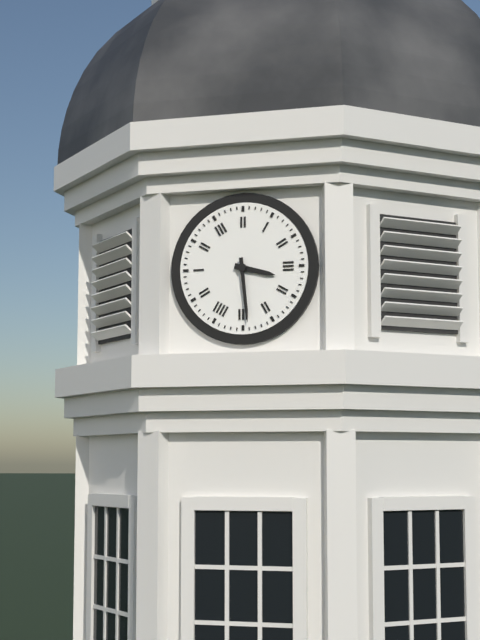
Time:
{"hour": 3, "minute": 29}
